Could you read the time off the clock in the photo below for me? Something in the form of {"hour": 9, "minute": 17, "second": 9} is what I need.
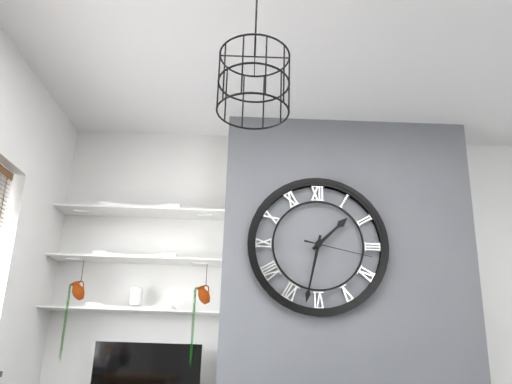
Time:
{"hour": 1, "minute": 32, "second": 17}
